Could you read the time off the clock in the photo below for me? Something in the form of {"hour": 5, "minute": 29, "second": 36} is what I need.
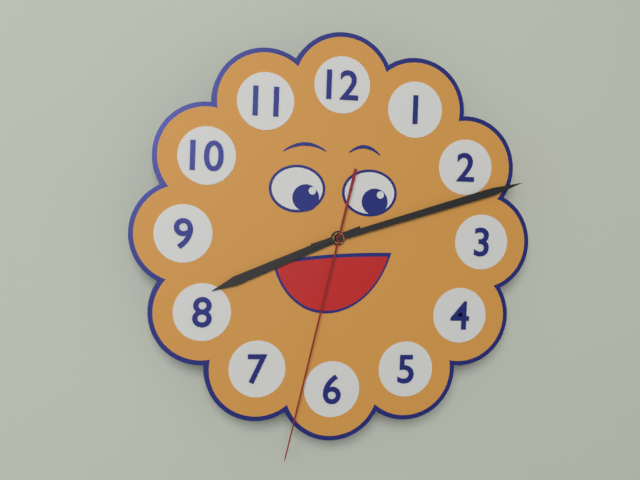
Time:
{"hour": 8, "minute": 12, "second": 32}
